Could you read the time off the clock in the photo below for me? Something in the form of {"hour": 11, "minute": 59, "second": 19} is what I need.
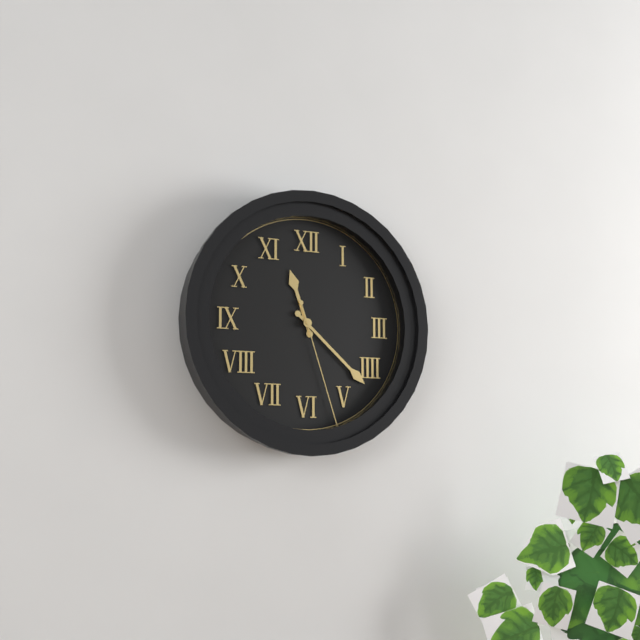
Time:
{"hour": 11, "minute": 22, "second": 27}
